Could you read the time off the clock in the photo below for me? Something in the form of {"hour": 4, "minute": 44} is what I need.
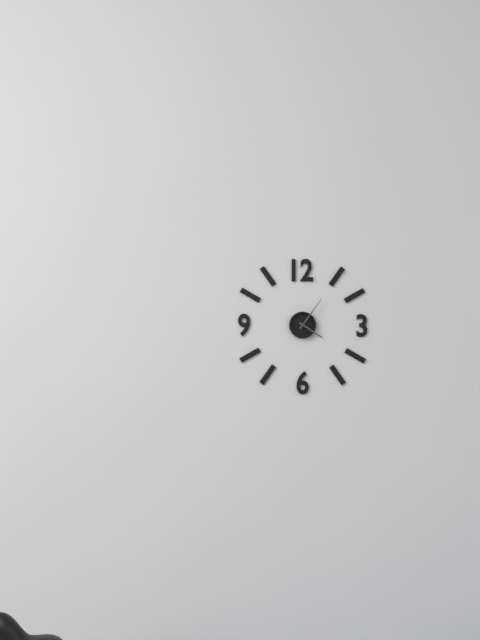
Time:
{"hour": 4, "minute": 6}
